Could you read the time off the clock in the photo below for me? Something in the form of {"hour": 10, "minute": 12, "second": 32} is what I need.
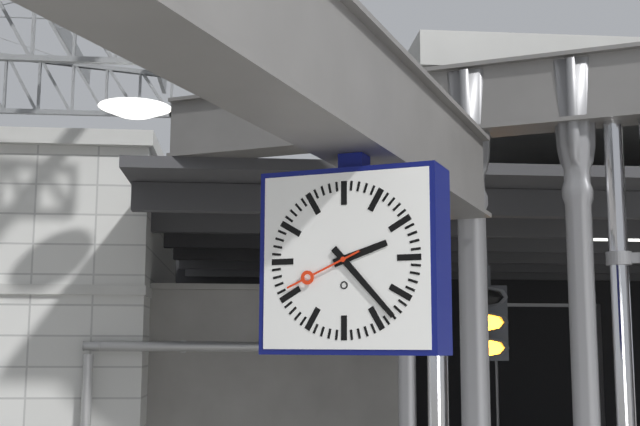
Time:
{"hour": 2, "minute": 23, "second": 41}
